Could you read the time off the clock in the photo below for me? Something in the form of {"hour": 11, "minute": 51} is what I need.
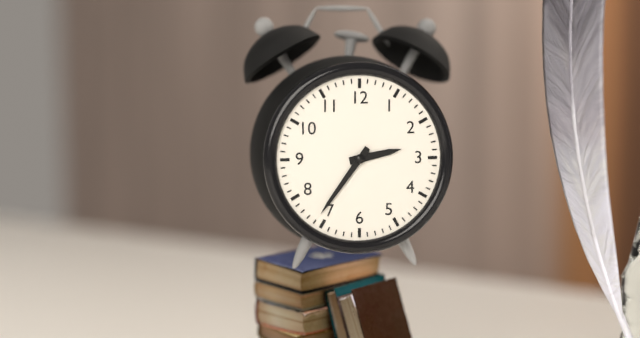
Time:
{"hour": 2, "minute": 36}
